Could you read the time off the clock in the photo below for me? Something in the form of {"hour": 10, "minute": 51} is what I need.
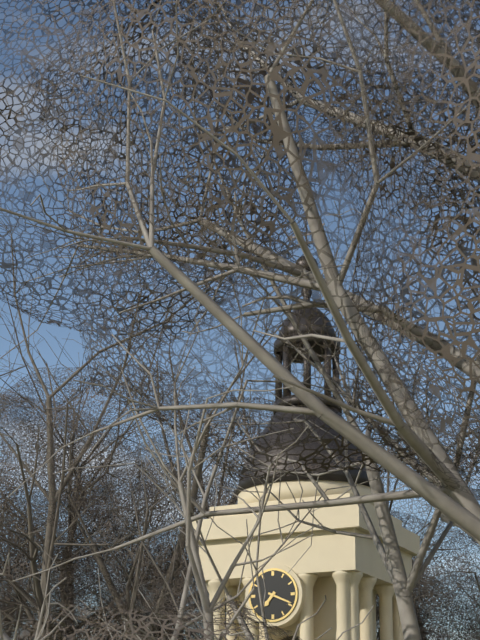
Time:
{"hour": 7, "minute": 19}
